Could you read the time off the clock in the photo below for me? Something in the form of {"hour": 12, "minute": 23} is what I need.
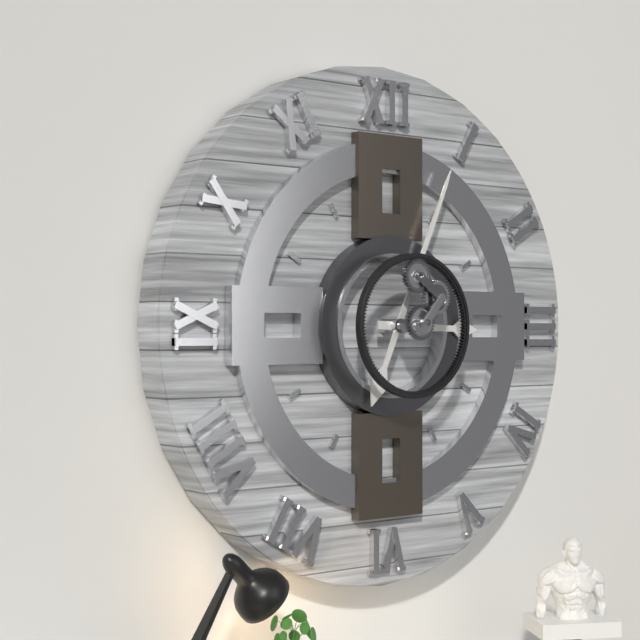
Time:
{"hour": 3, "minute": 4}
